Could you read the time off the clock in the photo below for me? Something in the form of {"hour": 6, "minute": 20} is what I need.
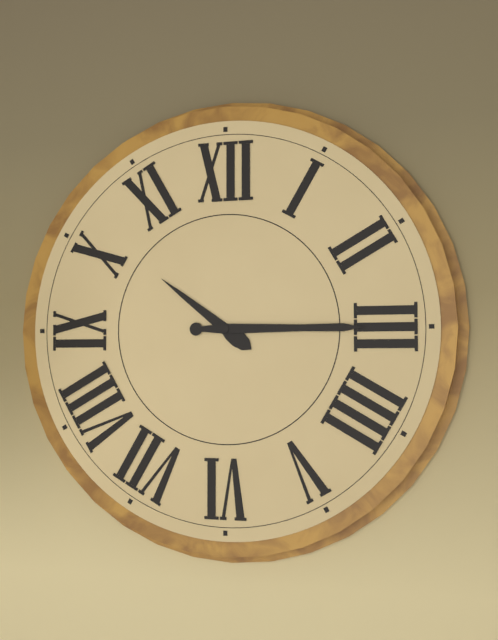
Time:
{"hour": 10, "minute": 15}
